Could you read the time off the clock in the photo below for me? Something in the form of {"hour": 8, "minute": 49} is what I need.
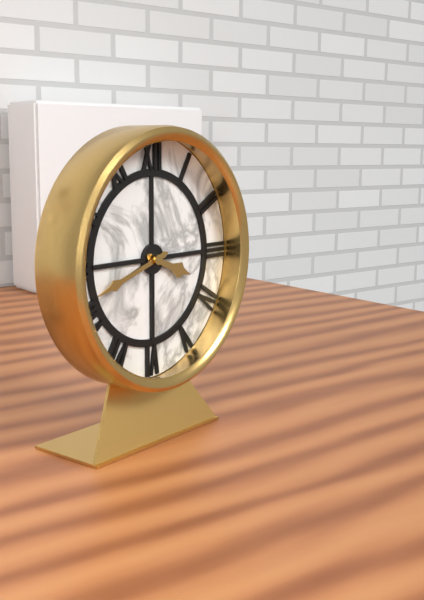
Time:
{"hour": 3, "minute": 42}
